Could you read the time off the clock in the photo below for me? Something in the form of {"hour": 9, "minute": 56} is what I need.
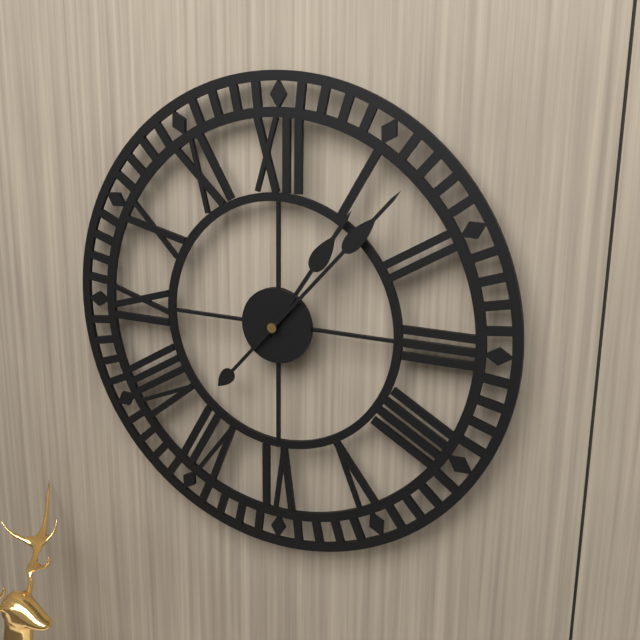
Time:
{"hour": 1, "minute": 7}
